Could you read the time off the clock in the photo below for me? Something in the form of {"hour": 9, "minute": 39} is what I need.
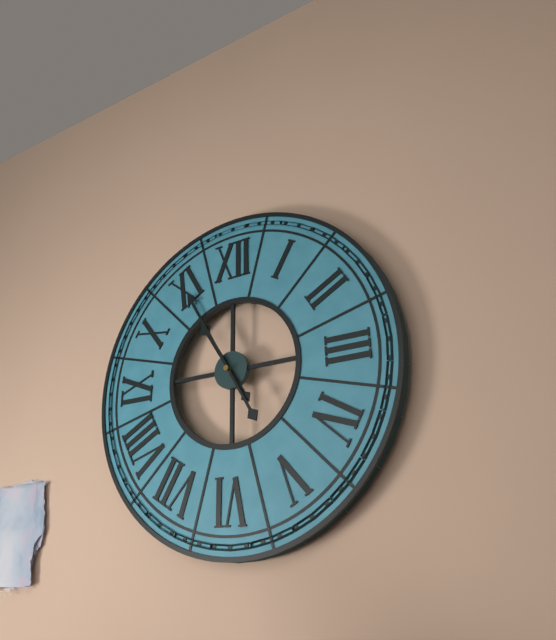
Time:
{"hour": 10, "minute": 55}
